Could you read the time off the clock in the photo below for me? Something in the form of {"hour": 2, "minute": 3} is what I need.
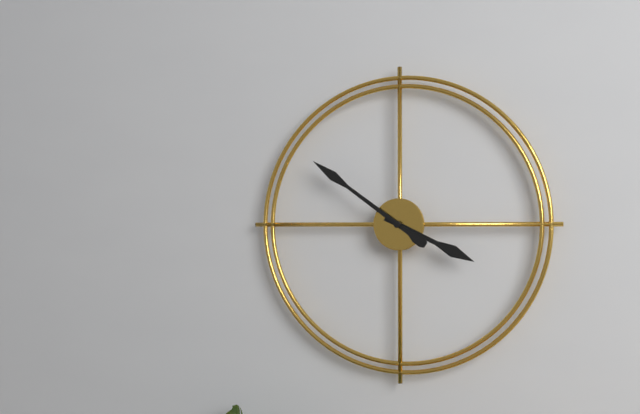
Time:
{"hour": 3, "minute": 51}
